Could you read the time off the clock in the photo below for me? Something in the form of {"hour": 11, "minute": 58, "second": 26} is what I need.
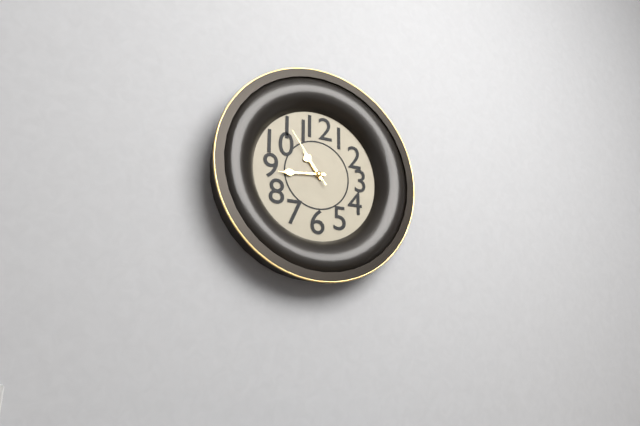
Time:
{"hour": 10, "minute": 44, "second": 54}
